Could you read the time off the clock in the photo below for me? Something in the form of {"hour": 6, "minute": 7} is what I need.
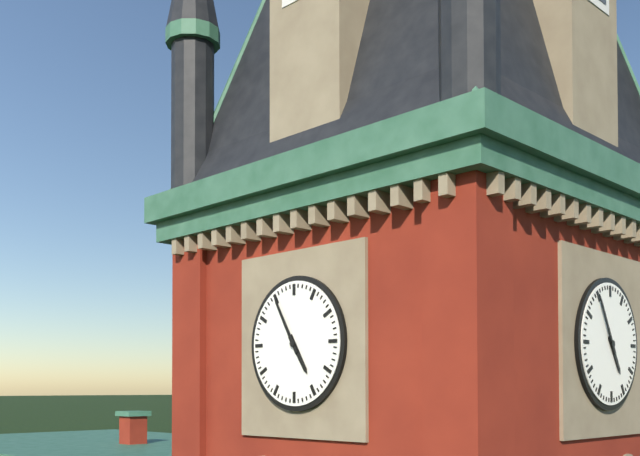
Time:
{"hour": 4, "minute": 55}
